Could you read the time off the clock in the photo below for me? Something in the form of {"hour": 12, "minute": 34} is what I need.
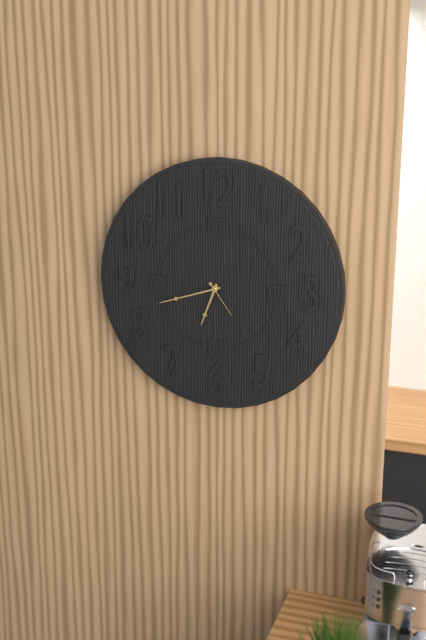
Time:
{"hour": 6, "minute": 42}
